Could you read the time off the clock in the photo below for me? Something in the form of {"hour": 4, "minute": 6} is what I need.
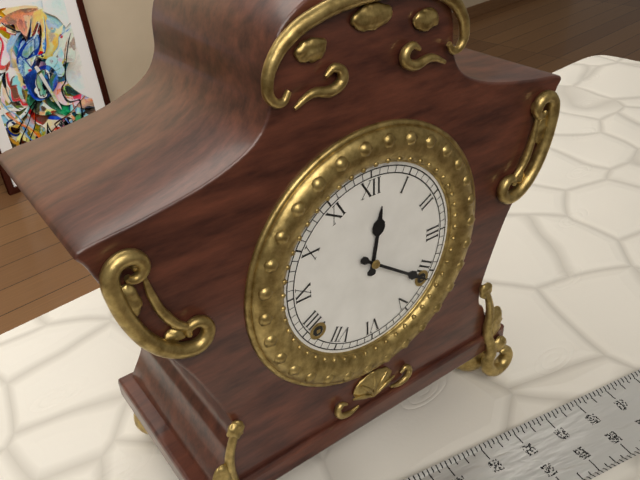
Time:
{"hour": 12, "minute": 21}
